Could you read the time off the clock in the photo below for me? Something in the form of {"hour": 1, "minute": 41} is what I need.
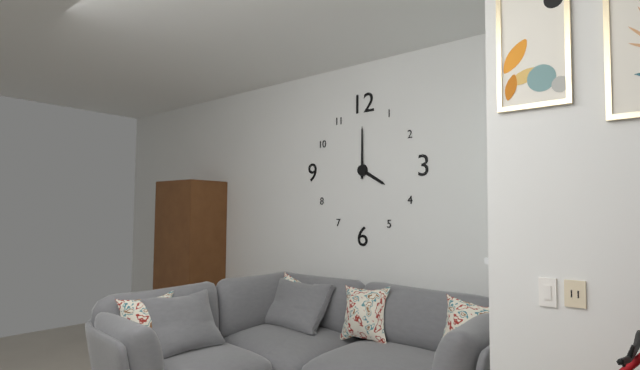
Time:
{"hour": 4, "minute": 0}
